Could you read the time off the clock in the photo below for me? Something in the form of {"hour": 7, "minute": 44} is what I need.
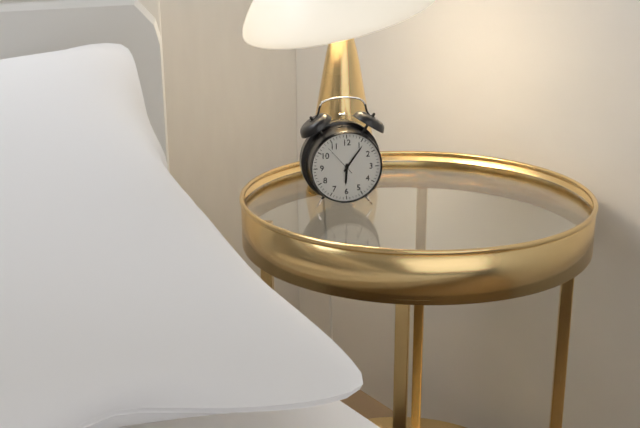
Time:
{"hour": 6, "minute": 6}
